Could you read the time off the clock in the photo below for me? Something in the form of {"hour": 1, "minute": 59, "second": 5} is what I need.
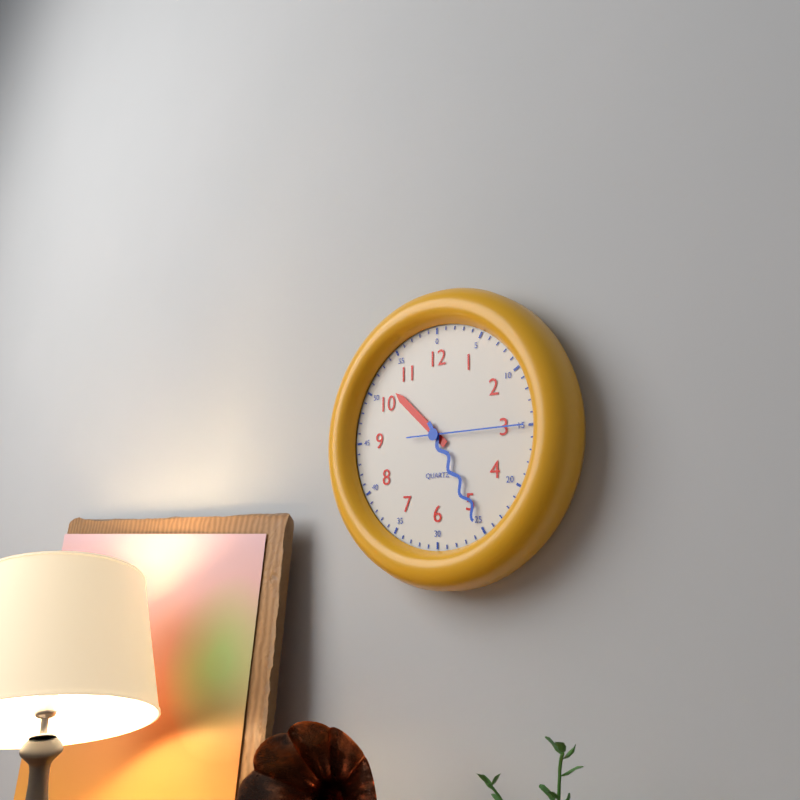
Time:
{"hour": 10, "minute": 25, "second": 15}
